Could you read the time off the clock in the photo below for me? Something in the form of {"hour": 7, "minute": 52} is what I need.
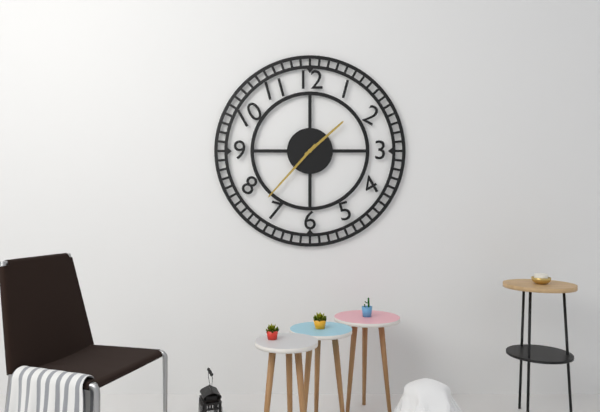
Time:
{"hour": 1, "minute": 37}
